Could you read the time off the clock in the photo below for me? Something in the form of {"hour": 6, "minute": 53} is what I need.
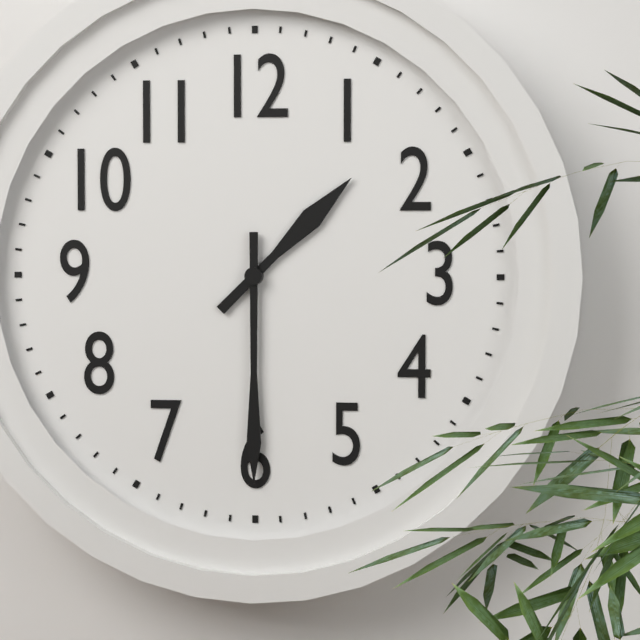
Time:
{"hour": 1, "minute": 30}
